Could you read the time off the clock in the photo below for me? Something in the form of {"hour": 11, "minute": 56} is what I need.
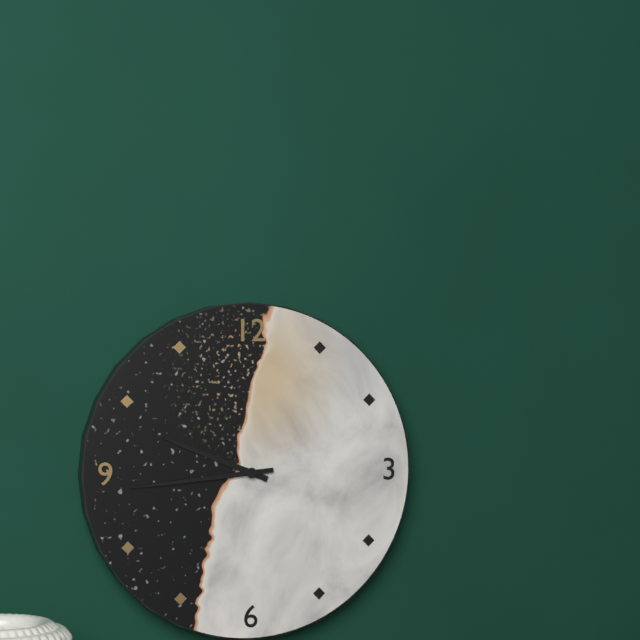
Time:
{"hour": 9, "minute": 44}
